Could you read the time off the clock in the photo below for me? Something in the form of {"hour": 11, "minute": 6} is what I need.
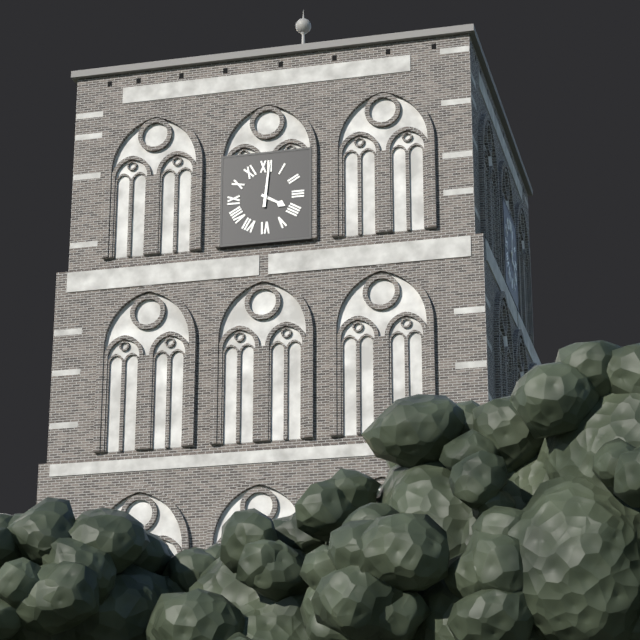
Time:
{"hour": 4, "minute": 1}
